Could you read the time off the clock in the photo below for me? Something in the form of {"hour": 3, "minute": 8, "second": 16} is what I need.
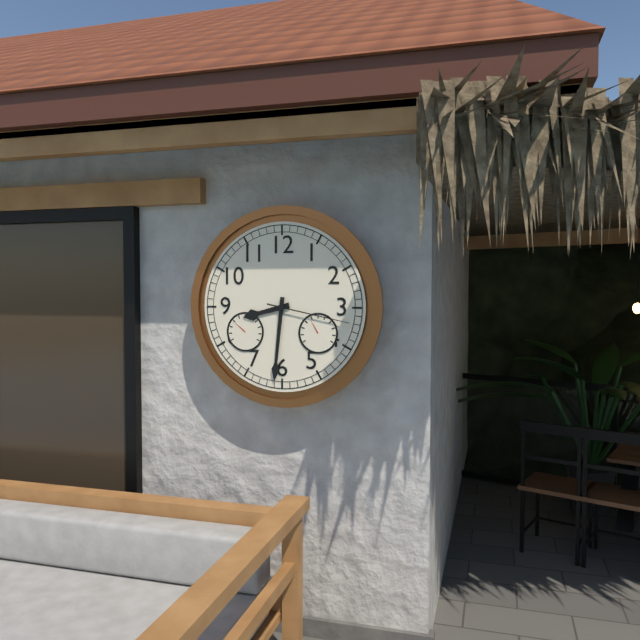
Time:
{"hour": 8, "minute": 31, "second": 17}
